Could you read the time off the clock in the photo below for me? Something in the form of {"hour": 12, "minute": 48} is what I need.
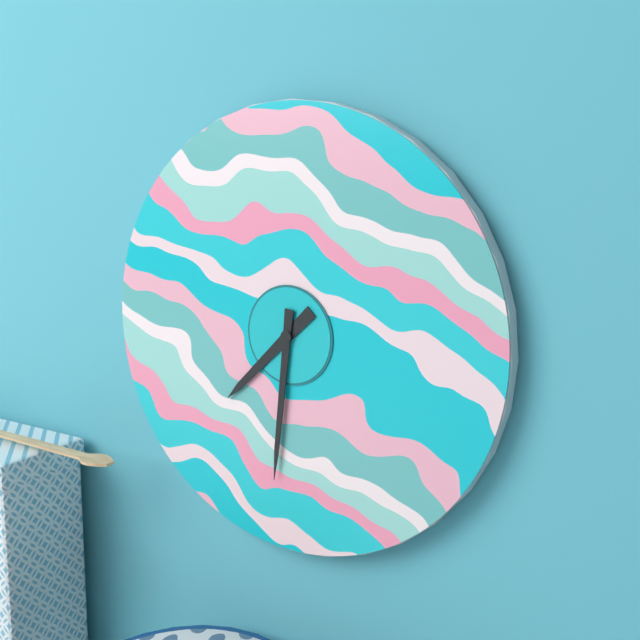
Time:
{"hour": 7, "minute": 31}
